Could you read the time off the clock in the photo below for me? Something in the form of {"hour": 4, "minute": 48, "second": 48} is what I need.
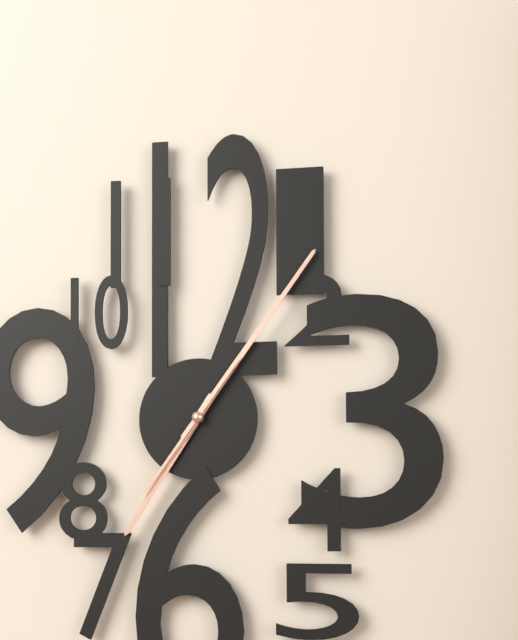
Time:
{"hour": 7, "minute": 6, "second": 36}
